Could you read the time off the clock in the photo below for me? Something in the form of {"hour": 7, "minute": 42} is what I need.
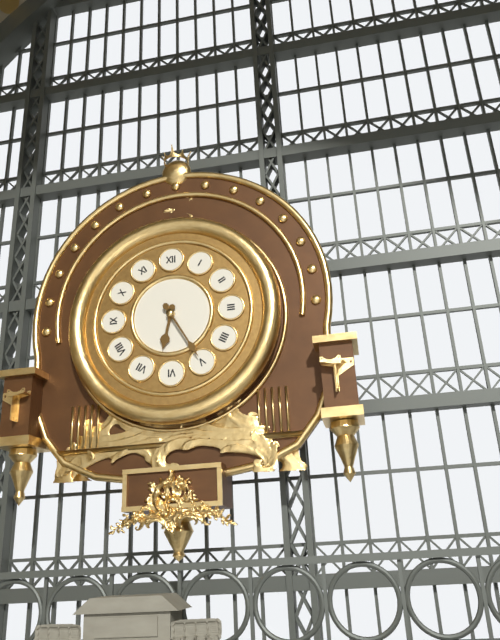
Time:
{"hour": 6, "minute": 25}
